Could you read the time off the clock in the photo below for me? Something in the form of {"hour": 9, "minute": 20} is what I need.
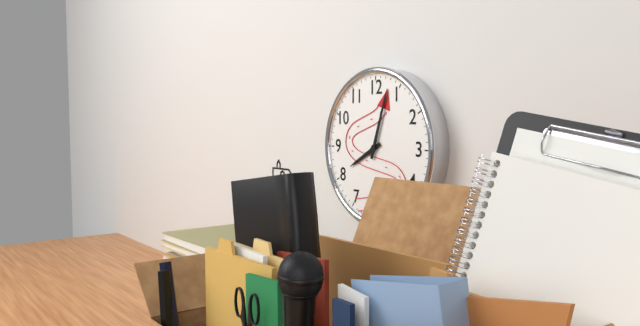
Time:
{"hour": 8, "minute": 3}
